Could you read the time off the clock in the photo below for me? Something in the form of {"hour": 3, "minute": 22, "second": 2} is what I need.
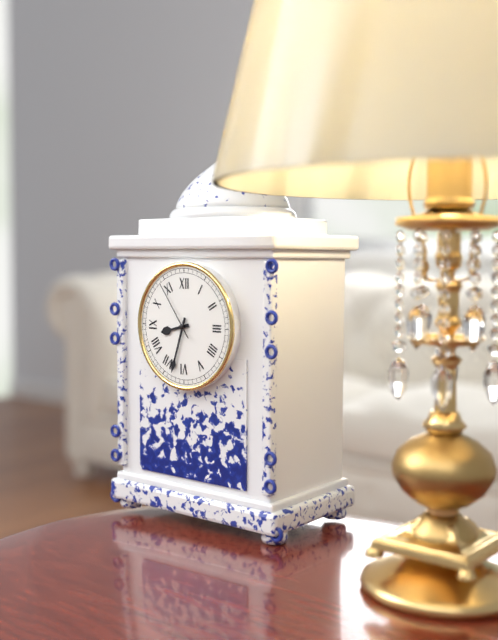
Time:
{"hour": 8, "minute": 33, "second": 54}
